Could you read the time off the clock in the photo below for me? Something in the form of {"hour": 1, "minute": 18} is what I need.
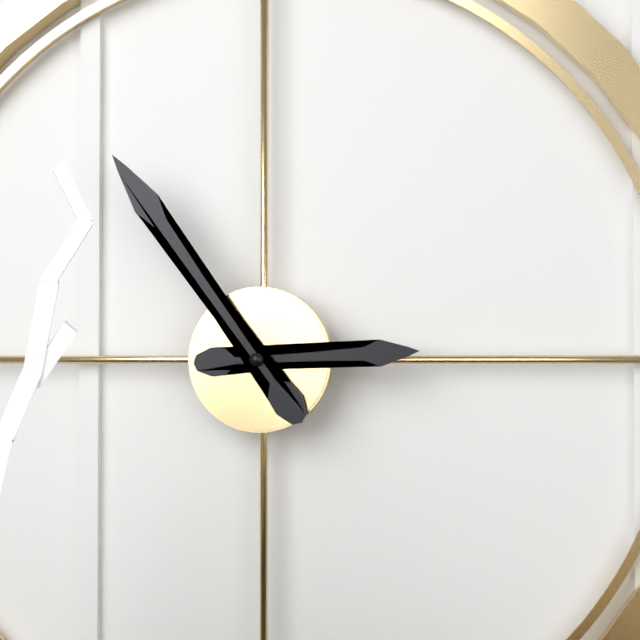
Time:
{"hour": 2, "minute": 54}
